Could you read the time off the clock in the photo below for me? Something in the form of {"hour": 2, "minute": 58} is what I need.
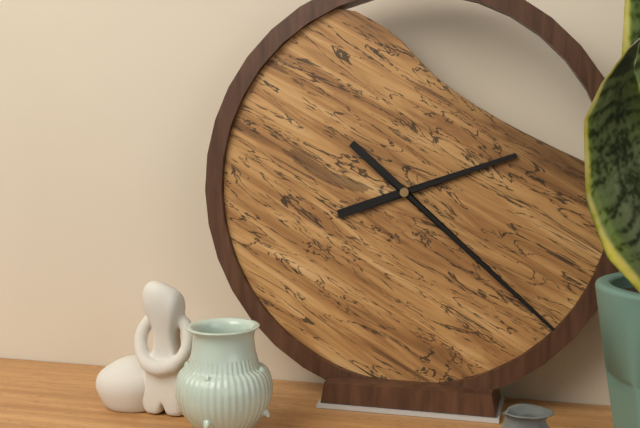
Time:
{"hour": 2, "minute": 22}
